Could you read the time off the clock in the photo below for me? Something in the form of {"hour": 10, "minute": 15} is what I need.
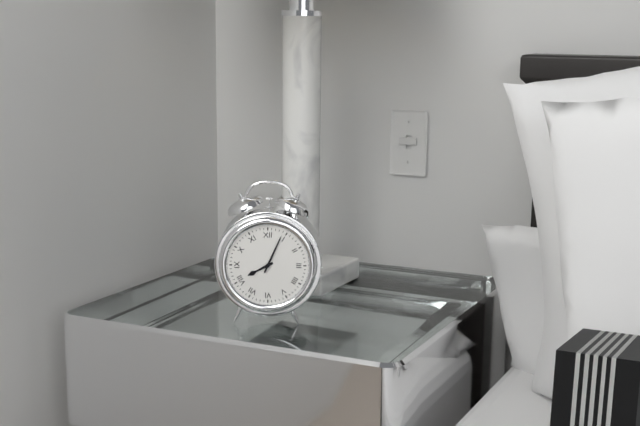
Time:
{"hour": 8, "minute": 4}
